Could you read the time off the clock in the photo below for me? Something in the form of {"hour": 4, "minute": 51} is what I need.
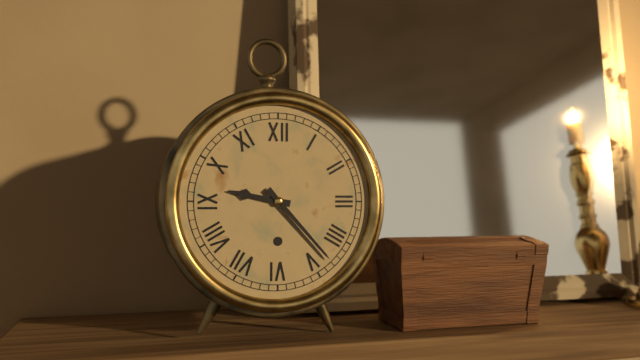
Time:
{"hour": 9, "minute": 23}
